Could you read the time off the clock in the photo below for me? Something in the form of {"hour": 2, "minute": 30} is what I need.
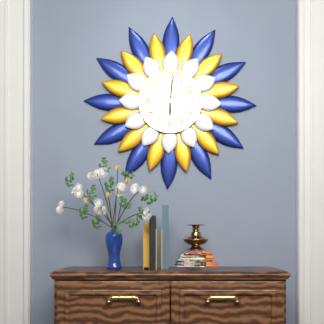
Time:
{"hour": 6, "minute": 1}
